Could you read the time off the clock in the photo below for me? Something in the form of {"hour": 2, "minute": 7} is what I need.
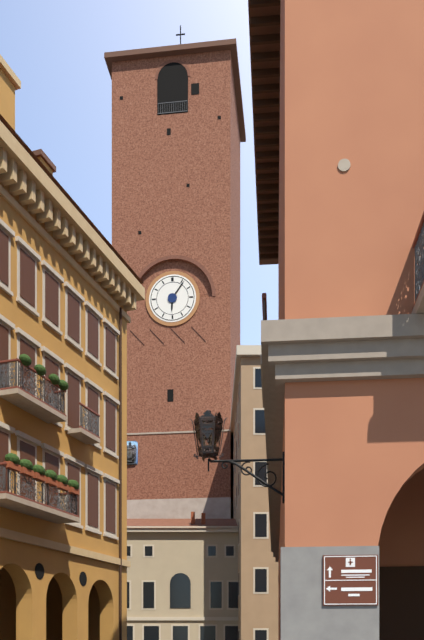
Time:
{"hour": 6, "minute": 6}
